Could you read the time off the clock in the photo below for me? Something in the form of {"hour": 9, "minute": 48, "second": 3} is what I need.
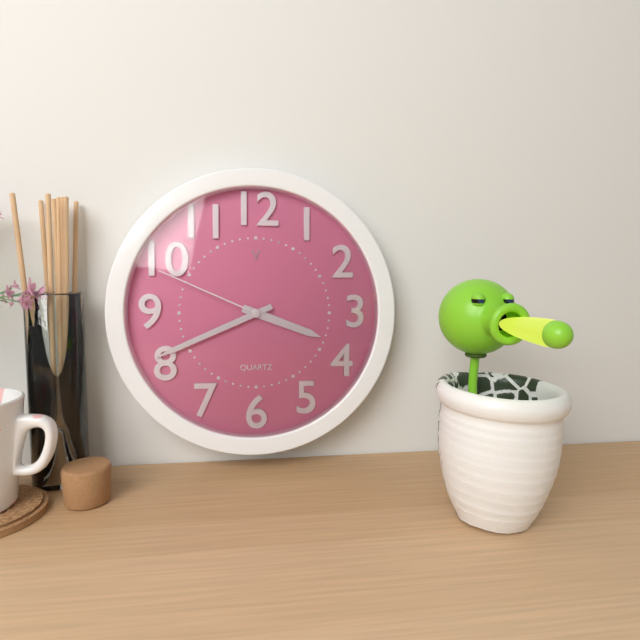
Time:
{"hour": 3, "minute": 41, "second": 49}
